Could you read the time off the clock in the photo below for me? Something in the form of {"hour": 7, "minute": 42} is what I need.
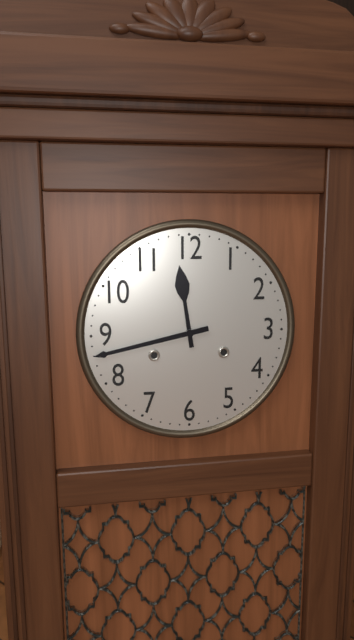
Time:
{"hour": 11, "minute": 43}
